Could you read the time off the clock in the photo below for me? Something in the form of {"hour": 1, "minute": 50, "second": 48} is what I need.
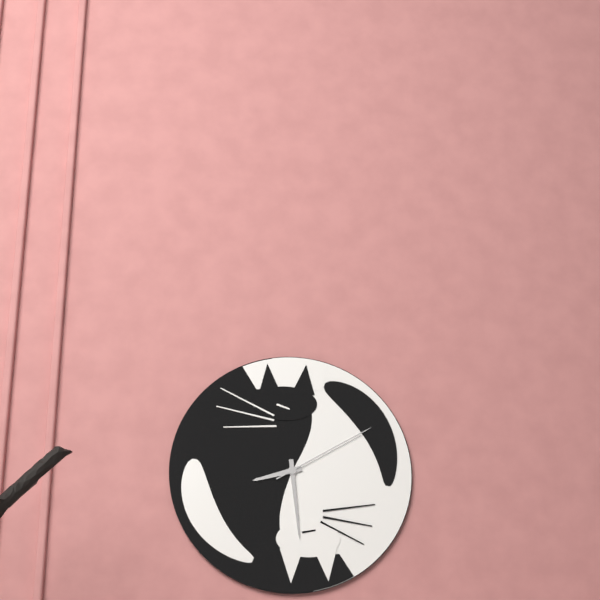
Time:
{"hour": 8, "minute": 29, "second": 10}
